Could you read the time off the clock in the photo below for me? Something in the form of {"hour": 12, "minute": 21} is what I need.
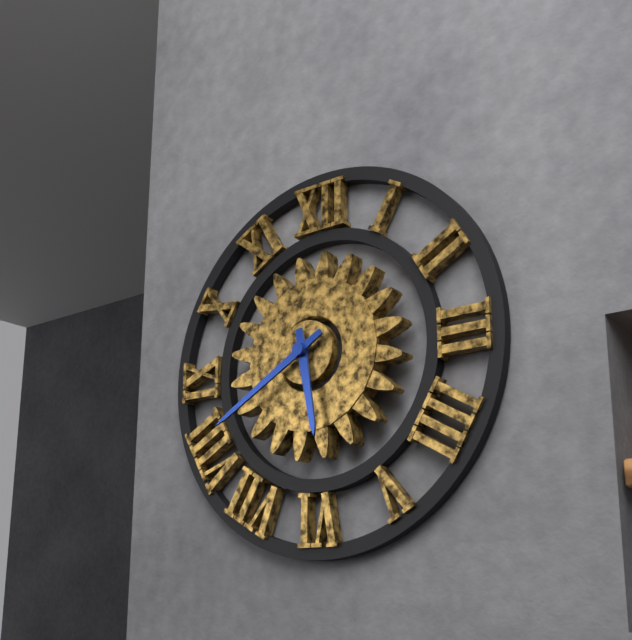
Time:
{"hour": 5, "minute": 40}
